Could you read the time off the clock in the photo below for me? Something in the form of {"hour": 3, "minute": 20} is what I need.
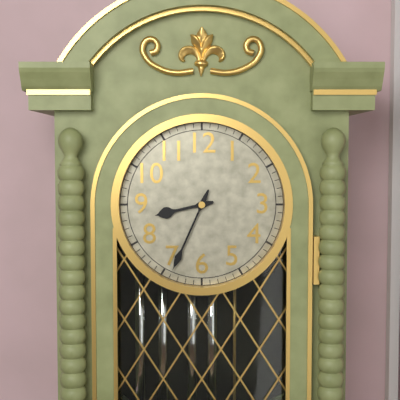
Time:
{"hour": 8, "minute": 34}
